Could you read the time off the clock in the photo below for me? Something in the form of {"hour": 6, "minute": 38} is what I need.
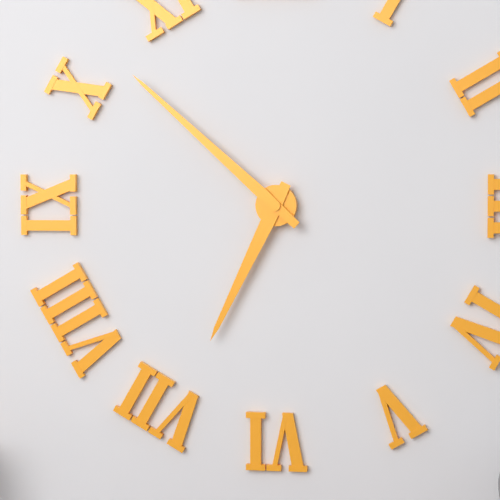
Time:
{"hour": 6, "minute": 52}
